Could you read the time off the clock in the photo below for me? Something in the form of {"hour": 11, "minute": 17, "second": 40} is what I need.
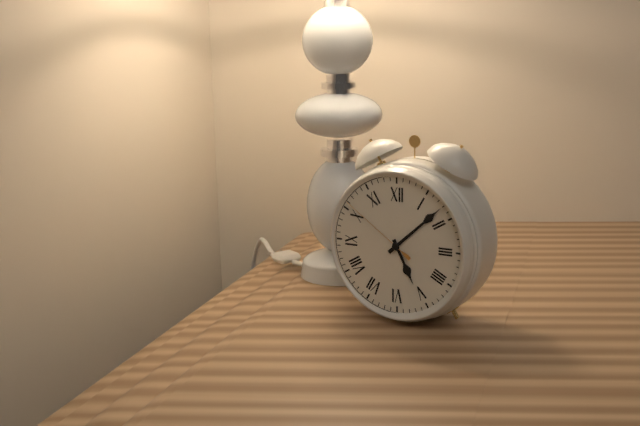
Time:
{"hour": 5, "minute": 8, "second": 51}
